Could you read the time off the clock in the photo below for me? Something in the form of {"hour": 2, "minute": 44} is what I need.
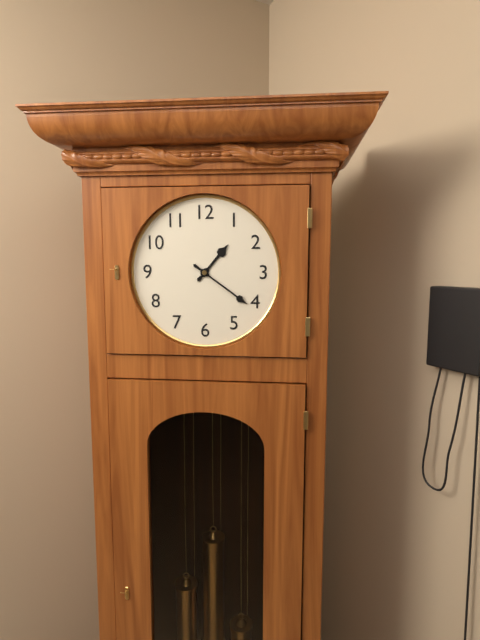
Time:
{"hour": 1, "minute": 21}
